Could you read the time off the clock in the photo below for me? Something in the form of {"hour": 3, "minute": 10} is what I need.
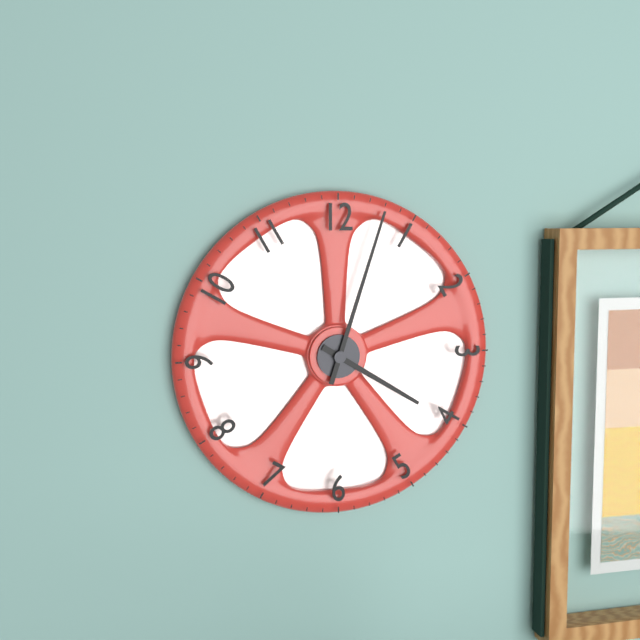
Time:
{"hour": 4, "minute": 3}
